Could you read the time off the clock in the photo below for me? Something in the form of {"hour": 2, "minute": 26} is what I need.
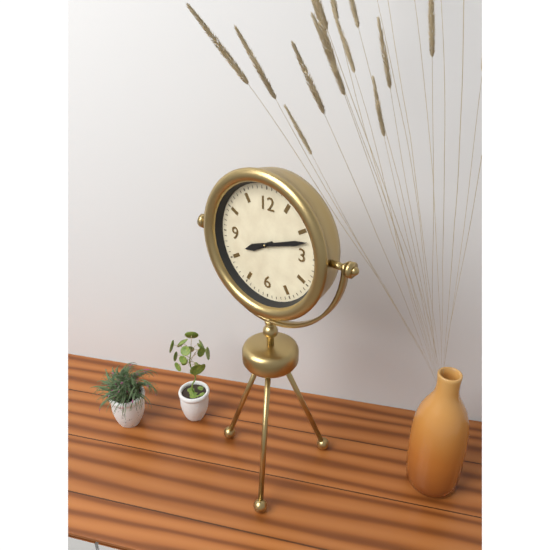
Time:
{"hour": 8, "minute": 12}
